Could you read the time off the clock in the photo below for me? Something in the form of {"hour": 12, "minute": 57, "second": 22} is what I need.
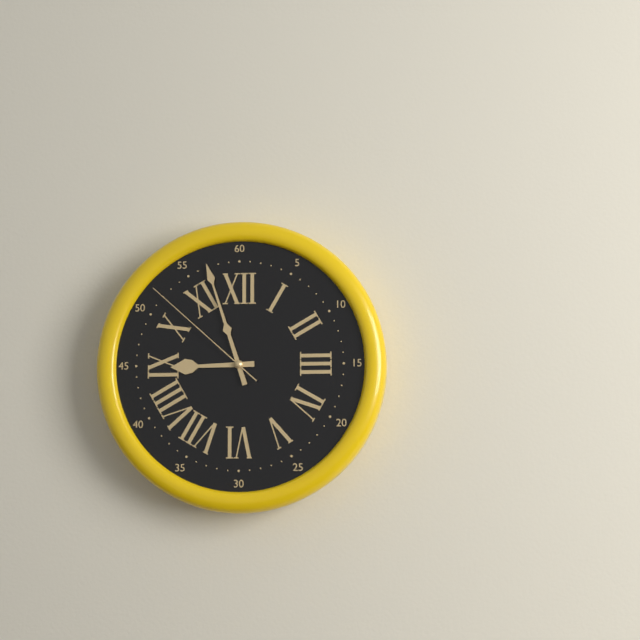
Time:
{"hour": 8, "minute": 57, "second": 52}
